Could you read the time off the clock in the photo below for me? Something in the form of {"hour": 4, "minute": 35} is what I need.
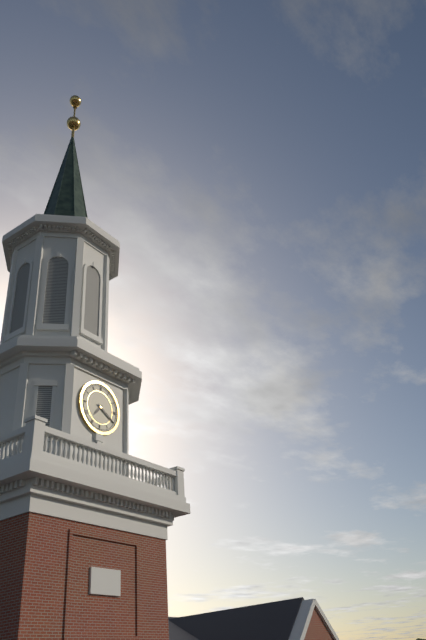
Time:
{"hour": 7, "minute": 20}
